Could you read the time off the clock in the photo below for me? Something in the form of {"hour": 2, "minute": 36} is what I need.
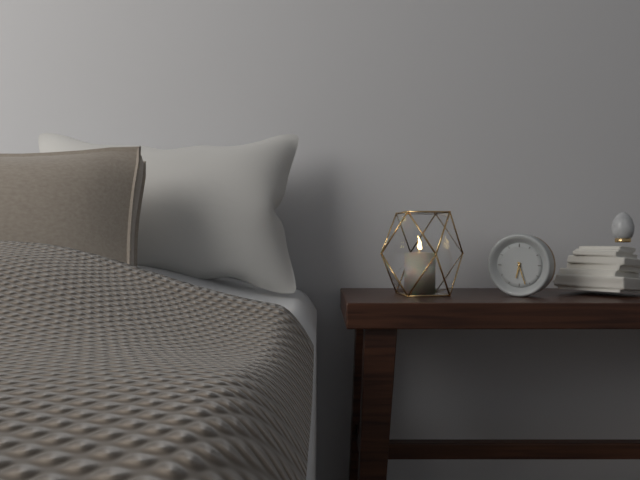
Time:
{"hour": 6, "minute": 27}
